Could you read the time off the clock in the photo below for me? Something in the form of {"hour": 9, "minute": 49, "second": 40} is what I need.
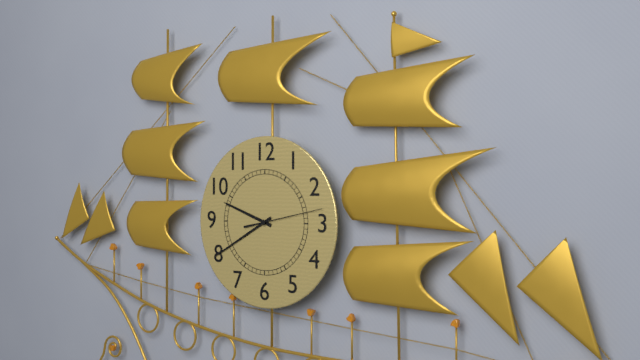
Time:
{"hour": 9, "minute": 40, "second": 13}
